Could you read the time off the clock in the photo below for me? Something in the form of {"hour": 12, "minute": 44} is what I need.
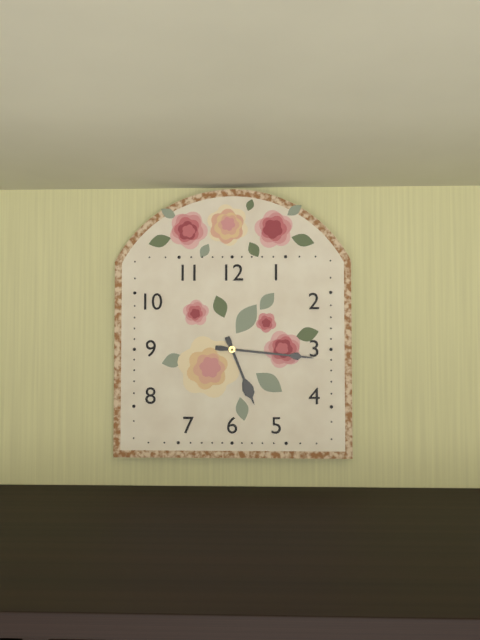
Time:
{"hour": 5, "minute": 16}
